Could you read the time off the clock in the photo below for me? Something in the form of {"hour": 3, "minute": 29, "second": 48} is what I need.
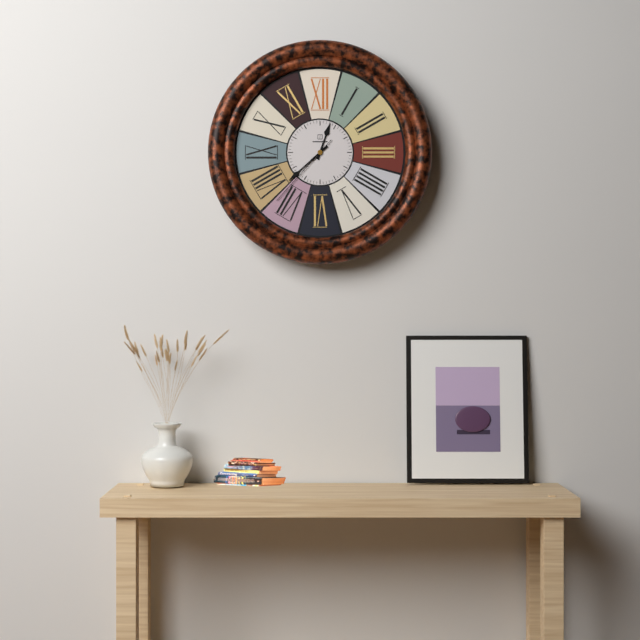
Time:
{"hour": 12, "minute": 38, "second": 37}
